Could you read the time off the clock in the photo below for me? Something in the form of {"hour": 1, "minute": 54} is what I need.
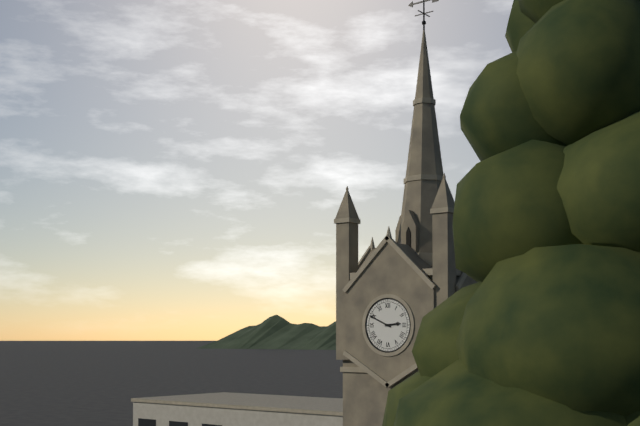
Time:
{"hour": 2, "minute": 49}
